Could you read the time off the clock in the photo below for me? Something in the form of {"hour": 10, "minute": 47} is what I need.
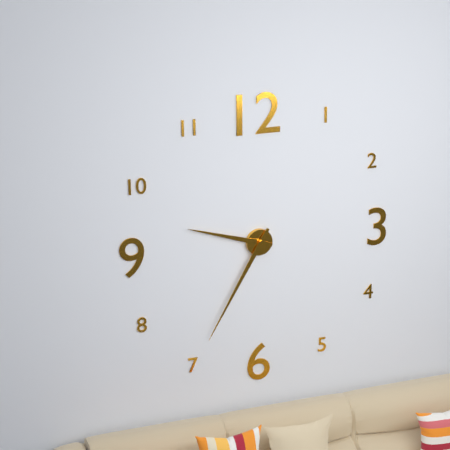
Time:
{"hour": 9, "minute": 35}
